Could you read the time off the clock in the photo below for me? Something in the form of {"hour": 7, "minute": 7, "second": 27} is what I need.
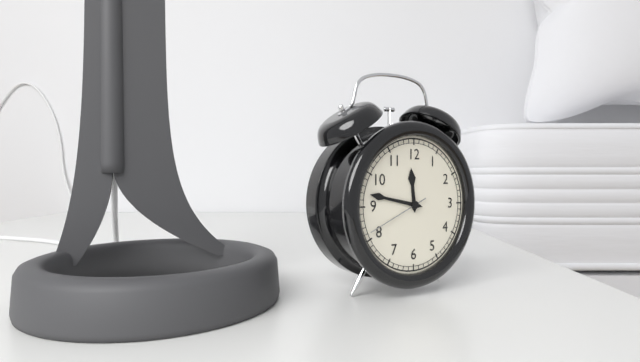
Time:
{"hour": 11, "minute": 47, "second": 41}
